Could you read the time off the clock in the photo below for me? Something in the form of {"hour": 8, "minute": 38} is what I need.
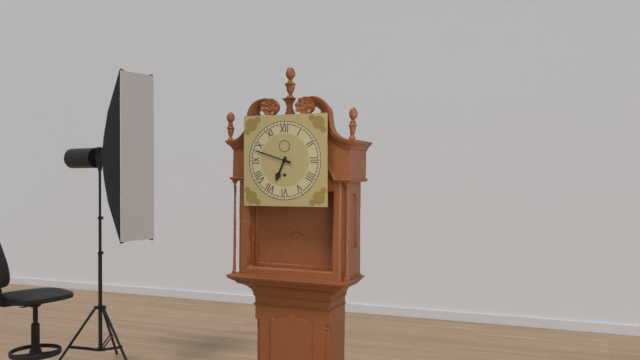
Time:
{"hour": 6, "minute": 48}
